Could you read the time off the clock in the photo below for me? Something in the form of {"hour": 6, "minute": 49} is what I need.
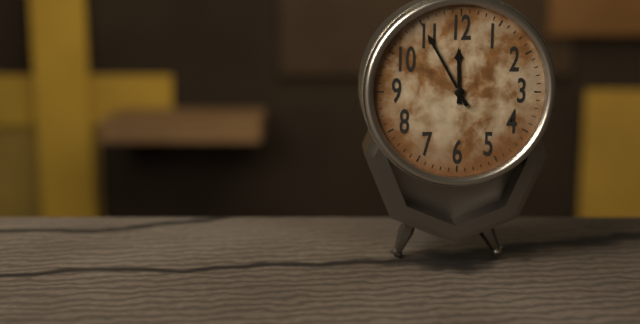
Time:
{"hour": 11, "minute": 55}
